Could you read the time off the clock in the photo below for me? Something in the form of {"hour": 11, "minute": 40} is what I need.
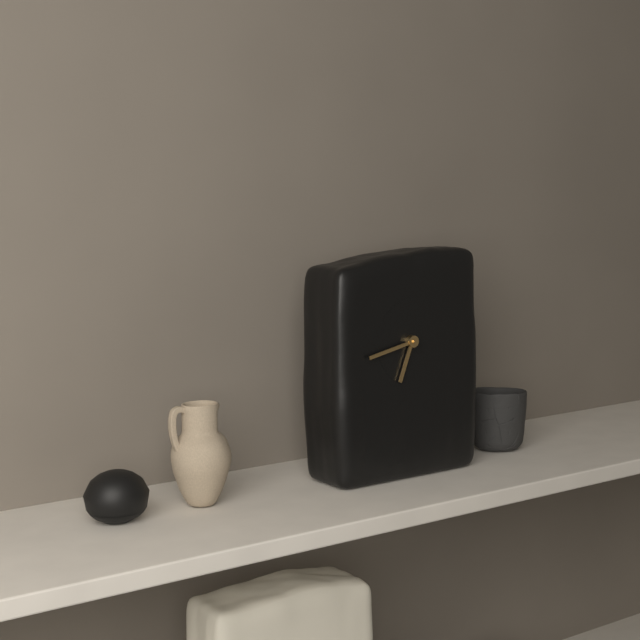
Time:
{"hour": 6, "minute": 43}
